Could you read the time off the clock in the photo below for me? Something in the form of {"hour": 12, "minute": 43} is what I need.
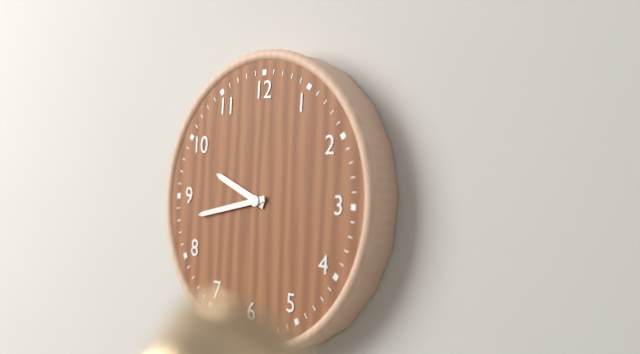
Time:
{"hour": 9, "minute": 43}
